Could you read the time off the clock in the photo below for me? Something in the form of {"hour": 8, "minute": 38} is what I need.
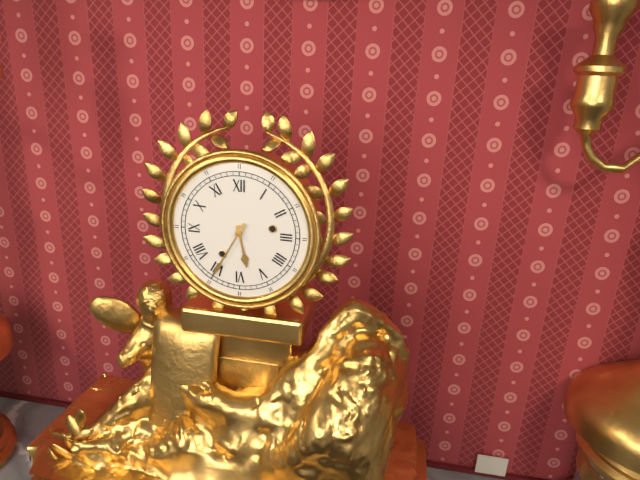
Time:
{"hour": 5, "minute": 35}
